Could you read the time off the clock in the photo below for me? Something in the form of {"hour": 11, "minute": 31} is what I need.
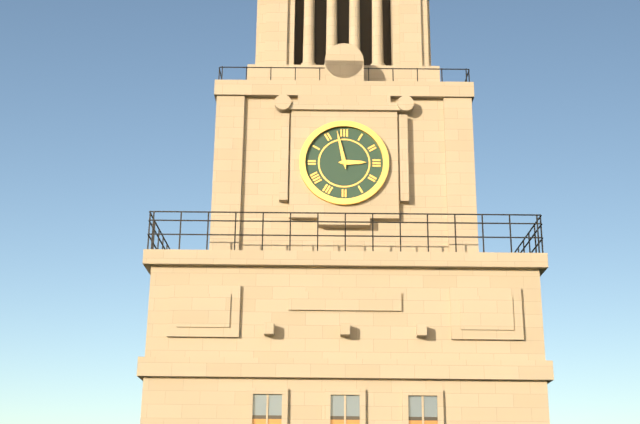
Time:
{"hour": 2, "minute": 58}
